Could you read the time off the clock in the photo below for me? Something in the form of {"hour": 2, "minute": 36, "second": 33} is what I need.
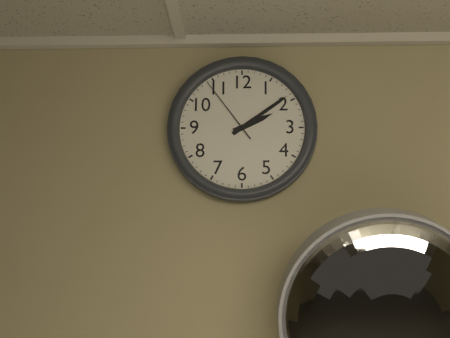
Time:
{"hour": 2, "minute": 9, "second": 54}
